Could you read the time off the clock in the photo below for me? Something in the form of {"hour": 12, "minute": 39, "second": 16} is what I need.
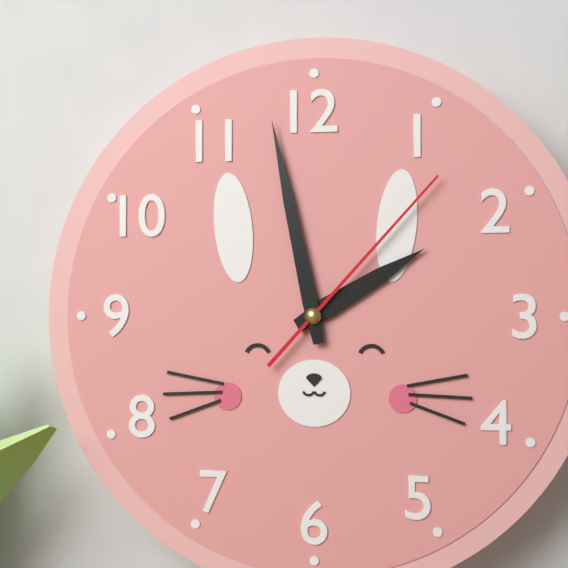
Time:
{"hour": 1, "minute": 58, "second": 7}
